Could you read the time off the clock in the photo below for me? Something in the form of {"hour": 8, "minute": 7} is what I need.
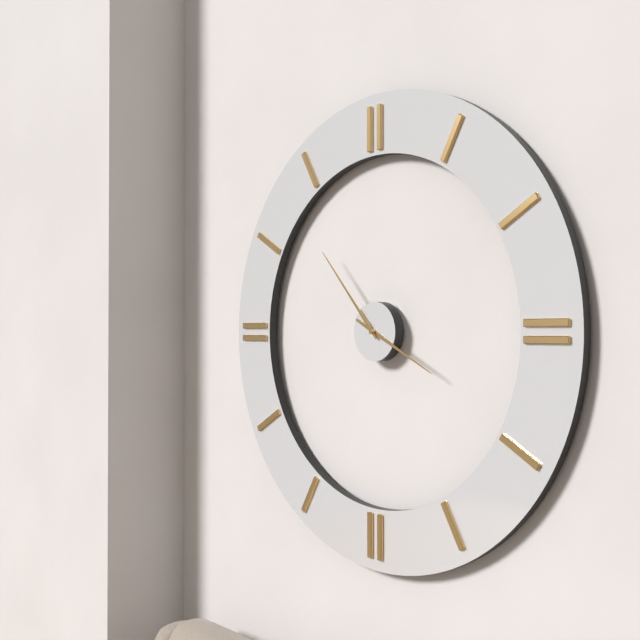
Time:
{"hour": 3, "minute": 53}
